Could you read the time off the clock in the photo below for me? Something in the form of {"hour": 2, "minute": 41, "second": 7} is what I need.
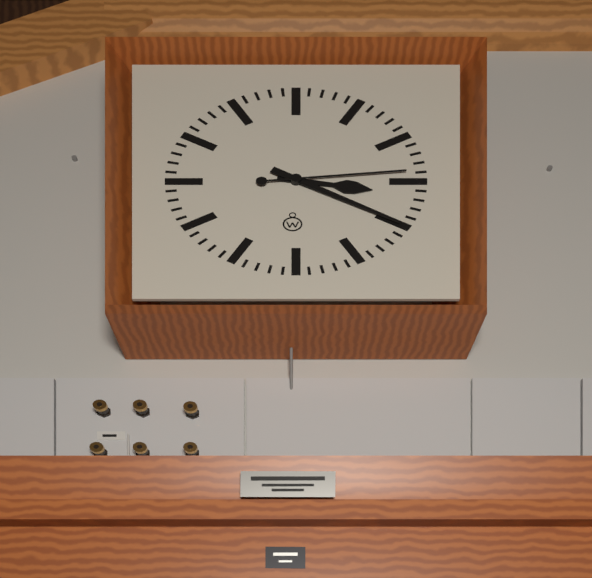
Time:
{"hour": 3, "minute": 20, "second": 14}
